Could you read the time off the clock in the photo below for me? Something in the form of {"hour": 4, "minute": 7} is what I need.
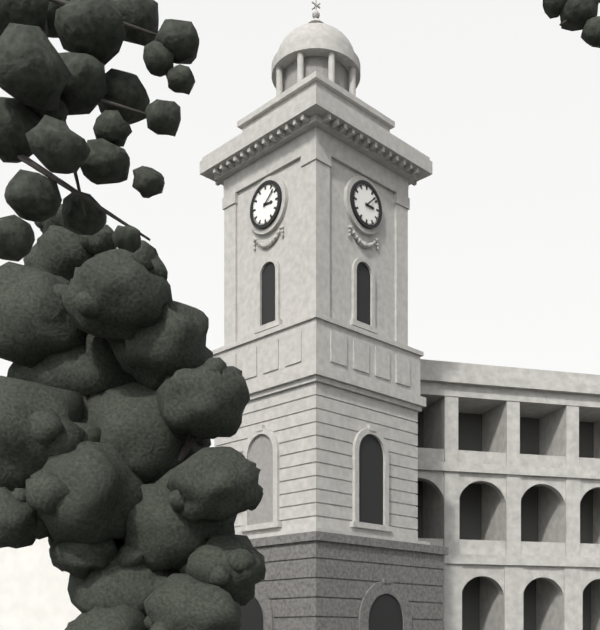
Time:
{"hour": 3, "minute": 8}
